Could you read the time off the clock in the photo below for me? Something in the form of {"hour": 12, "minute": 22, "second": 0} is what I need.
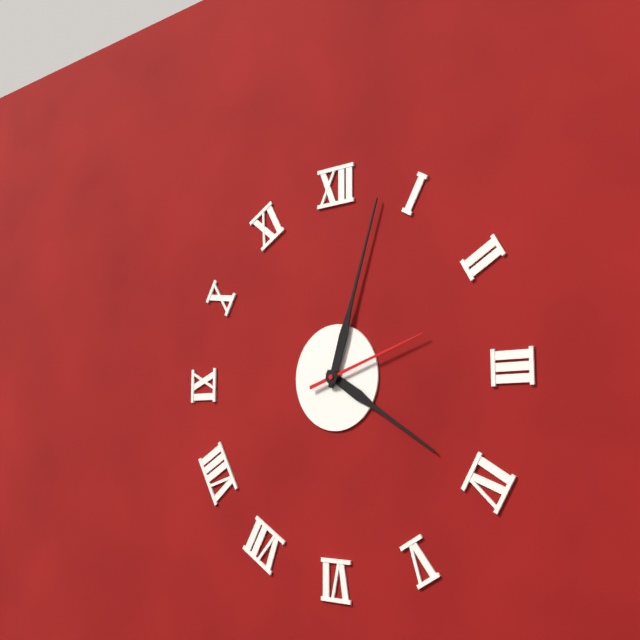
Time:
{"hour": 4, "minute": 3, "second": 12}
